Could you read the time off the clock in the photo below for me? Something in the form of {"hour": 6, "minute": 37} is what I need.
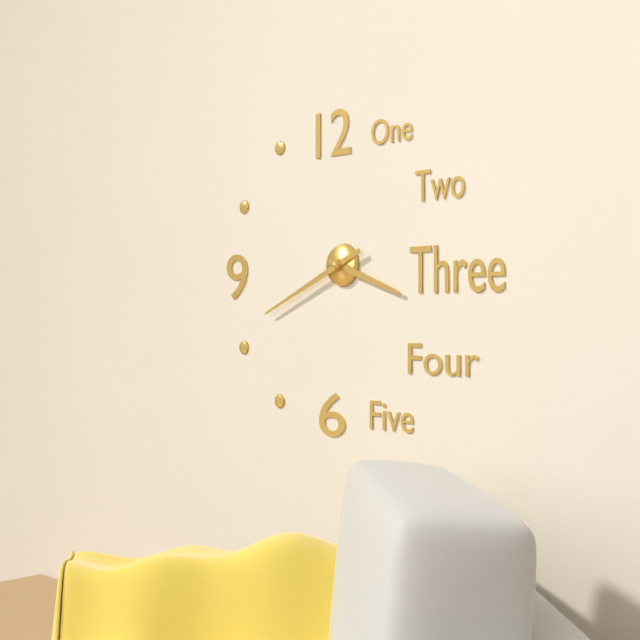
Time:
{"hour": 3, "minute": 41}
